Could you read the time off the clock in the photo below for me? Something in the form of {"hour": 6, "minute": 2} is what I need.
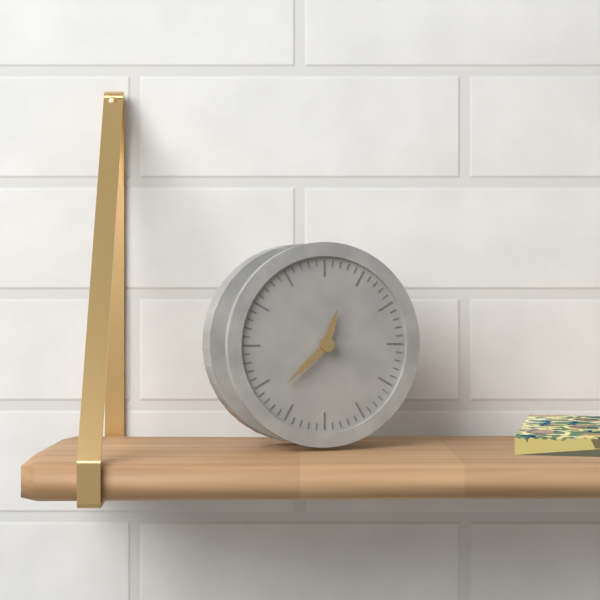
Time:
{"hour": 12, "minute": 38}
